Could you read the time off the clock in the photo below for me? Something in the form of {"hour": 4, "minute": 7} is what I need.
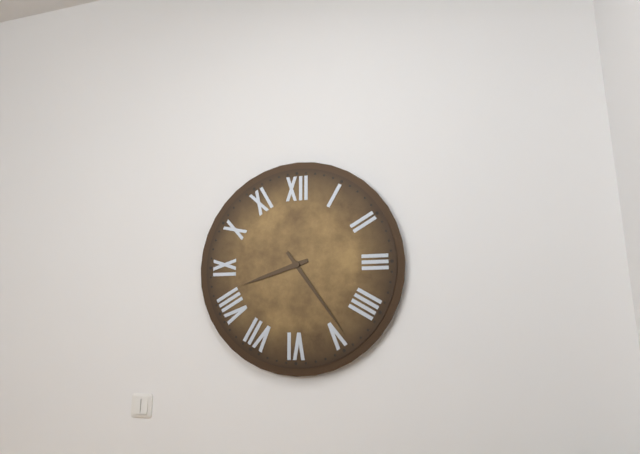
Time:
{"hour": 8, "minute": 24}
